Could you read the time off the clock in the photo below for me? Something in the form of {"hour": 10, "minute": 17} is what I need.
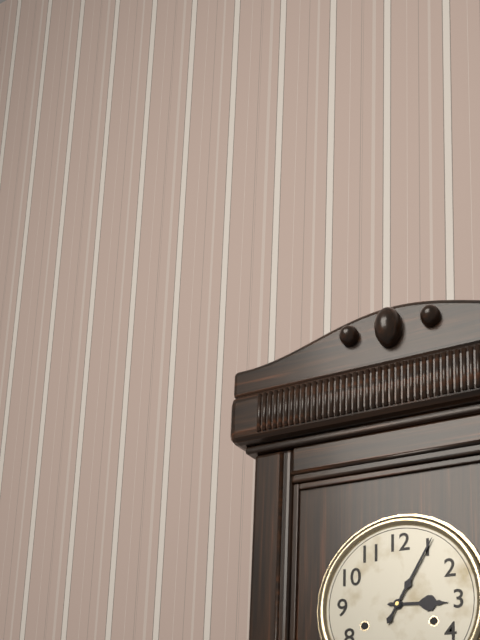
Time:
{"hour": 3, "minute": 5}
